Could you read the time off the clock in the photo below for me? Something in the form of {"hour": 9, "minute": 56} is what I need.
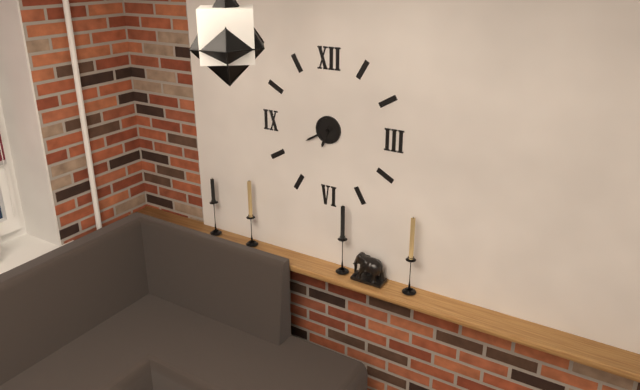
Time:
{"hour": 6, "minute": 40}
